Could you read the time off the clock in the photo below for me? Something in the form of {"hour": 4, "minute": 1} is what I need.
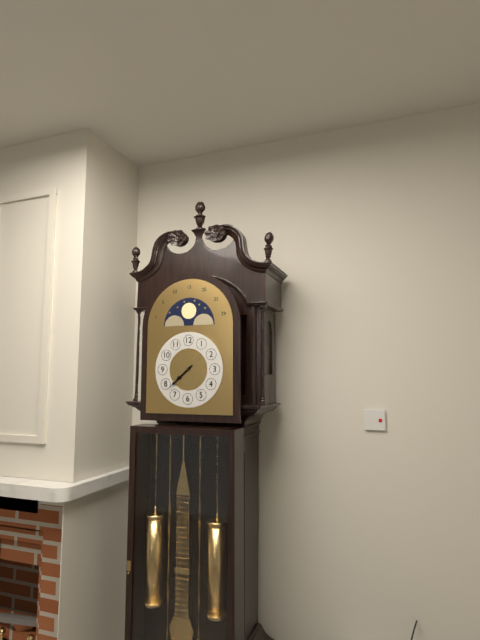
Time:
{"hour": 7, "minute": 38}
